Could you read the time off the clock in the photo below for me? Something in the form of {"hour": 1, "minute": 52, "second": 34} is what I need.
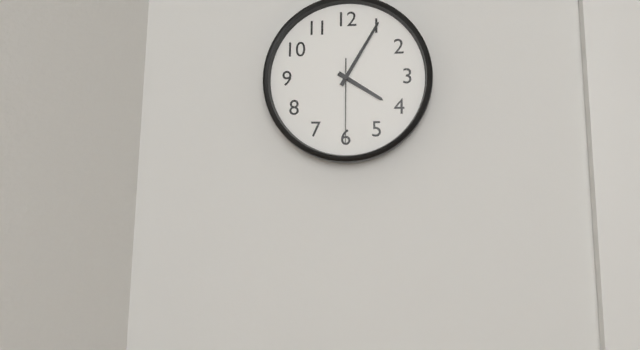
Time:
{"hour": 4, "minute": 5, "second": 30}
